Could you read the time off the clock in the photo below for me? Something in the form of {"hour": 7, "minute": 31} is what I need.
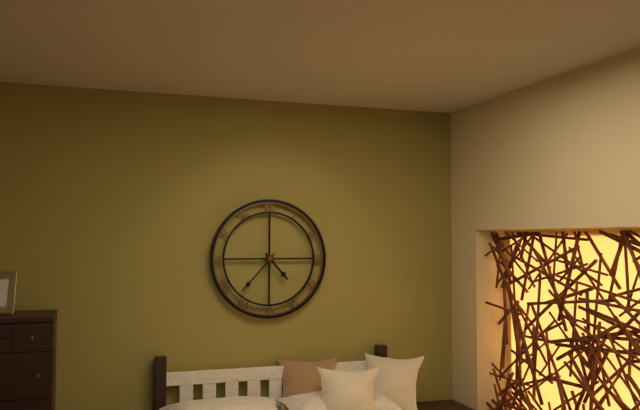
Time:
{"hour": 4, "minute": 37}
